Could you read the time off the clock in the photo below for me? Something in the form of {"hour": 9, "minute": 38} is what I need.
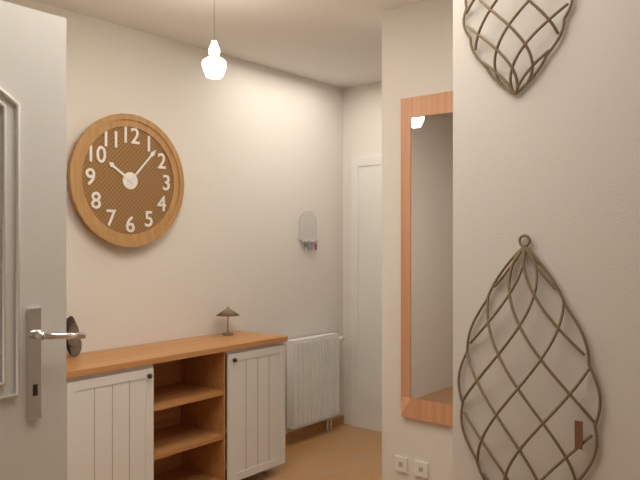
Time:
{"hour": 10, "minute": 7}
